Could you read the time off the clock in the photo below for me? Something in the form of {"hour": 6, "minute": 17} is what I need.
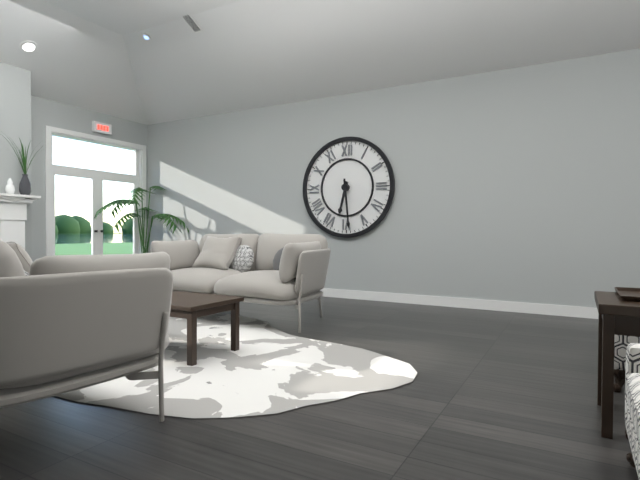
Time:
{"hour": 6, "minute": 29}
